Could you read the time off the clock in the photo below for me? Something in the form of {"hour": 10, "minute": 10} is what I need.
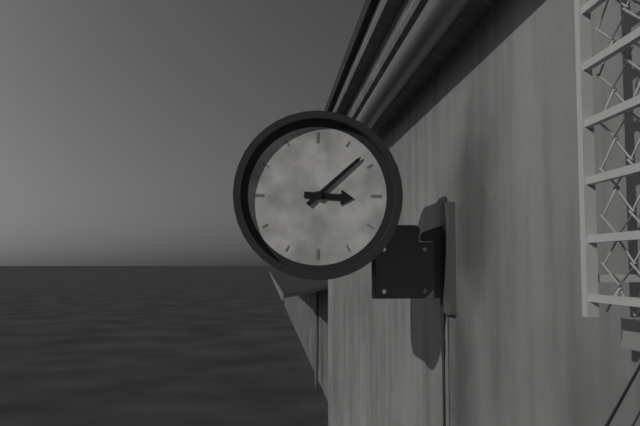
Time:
{"hour": 3, "minute": 8}
